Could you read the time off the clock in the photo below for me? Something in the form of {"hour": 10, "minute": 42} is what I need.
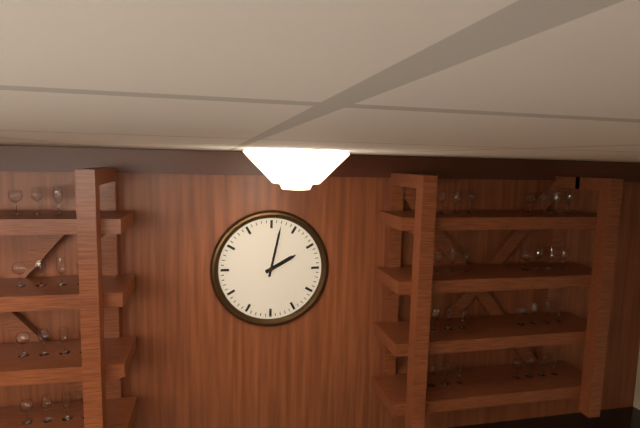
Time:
{"hour": 2, "minute": 2}
